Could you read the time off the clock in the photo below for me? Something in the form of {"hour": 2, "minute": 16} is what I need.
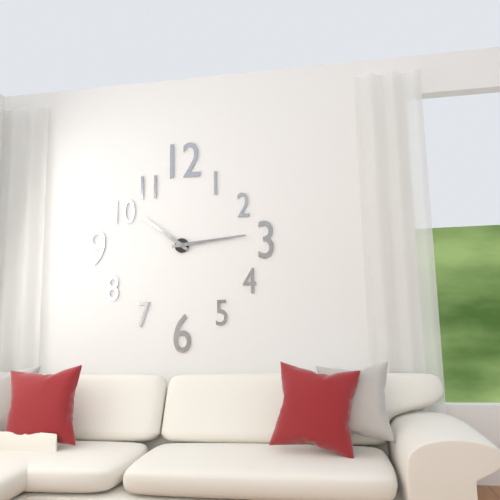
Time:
{"hour": 10, "minute": 14}
